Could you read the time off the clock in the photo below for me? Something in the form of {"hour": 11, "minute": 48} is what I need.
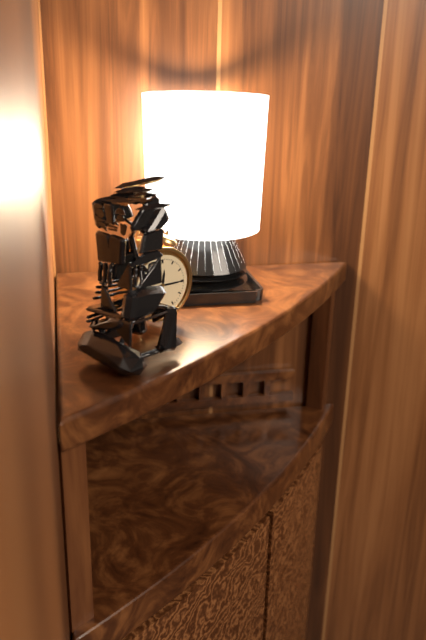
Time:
{"hour": 12, "minute": 15}
